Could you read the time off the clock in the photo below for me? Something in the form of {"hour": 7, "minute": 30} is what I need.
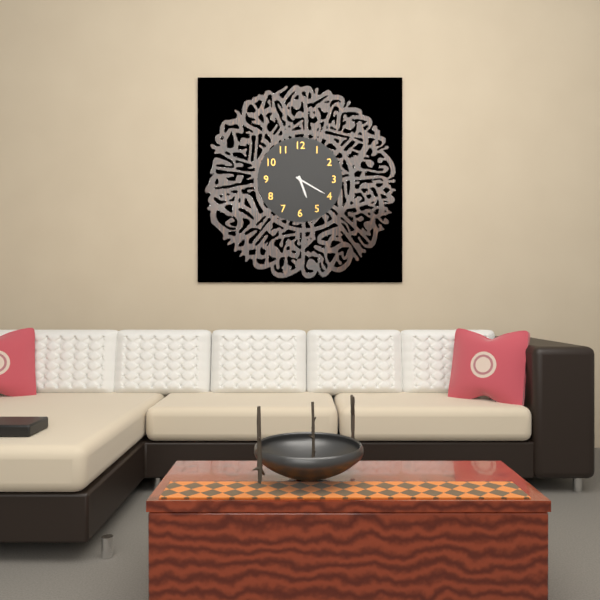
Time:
{"hour": 5, "minute": 20}
